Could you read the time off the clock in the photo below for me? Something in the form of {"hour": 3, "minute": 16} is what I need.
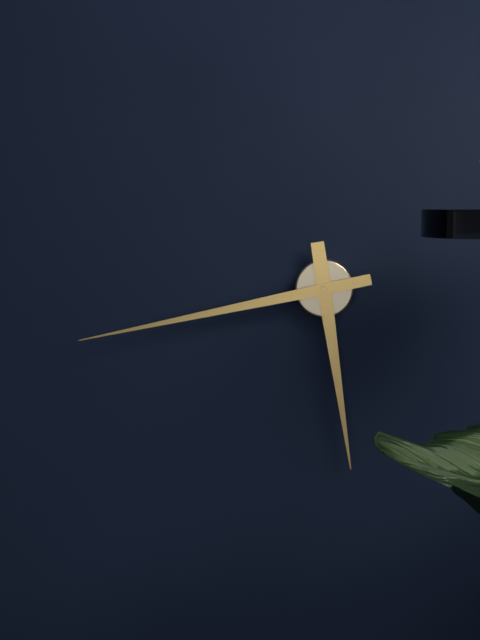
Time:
{"hour": 5, "minute": 43}
